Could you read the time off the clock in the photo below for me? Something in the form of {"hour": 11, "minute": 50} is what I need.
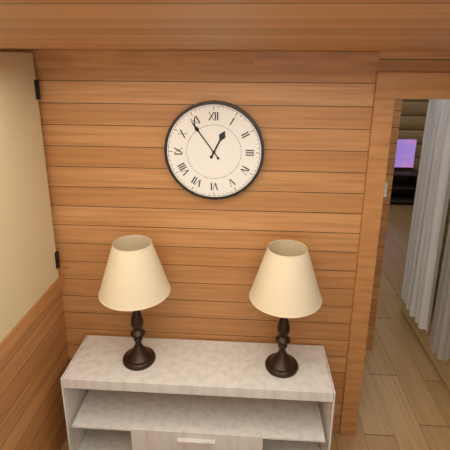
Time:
{"hour": 12, "minute": 54}
